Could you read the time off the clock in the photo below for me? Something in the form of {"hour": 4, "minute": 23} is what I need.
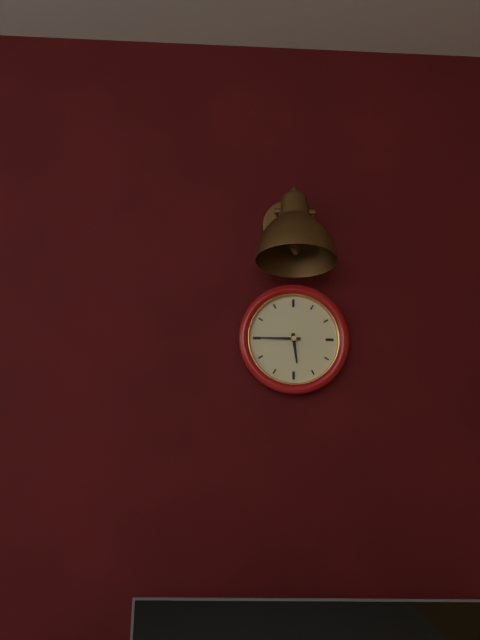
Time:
{"hour": 5, "minute": 45}
